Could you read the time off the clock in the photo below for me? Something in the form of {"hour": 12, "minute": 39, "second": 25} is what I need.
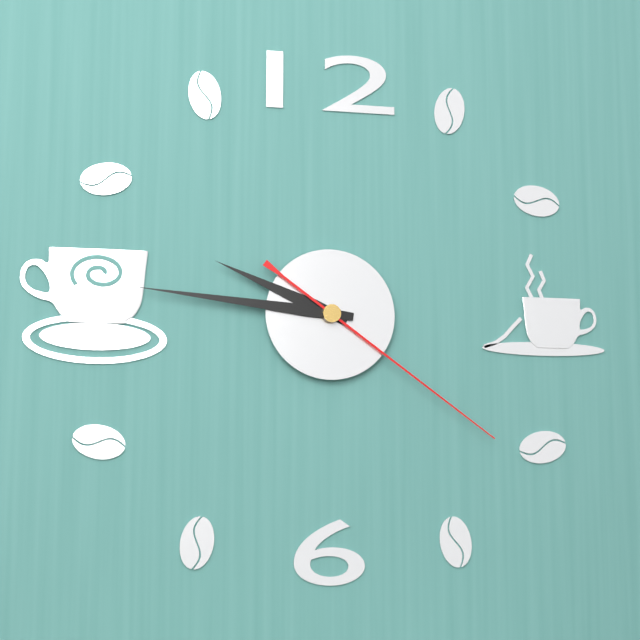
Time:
{"hour": 9, "minute": 46, "second": 21}
